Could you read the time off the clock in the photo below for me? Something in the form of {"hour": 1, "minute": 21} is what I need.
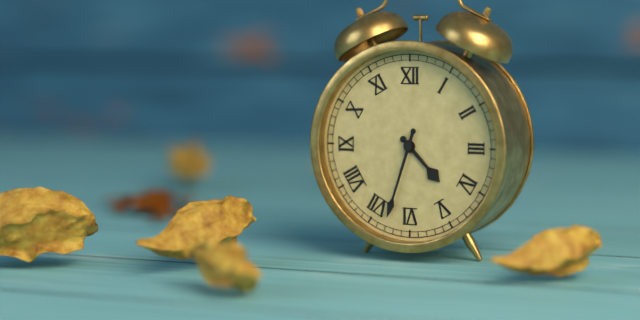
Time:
{"hour": 4, "minute": 33}
